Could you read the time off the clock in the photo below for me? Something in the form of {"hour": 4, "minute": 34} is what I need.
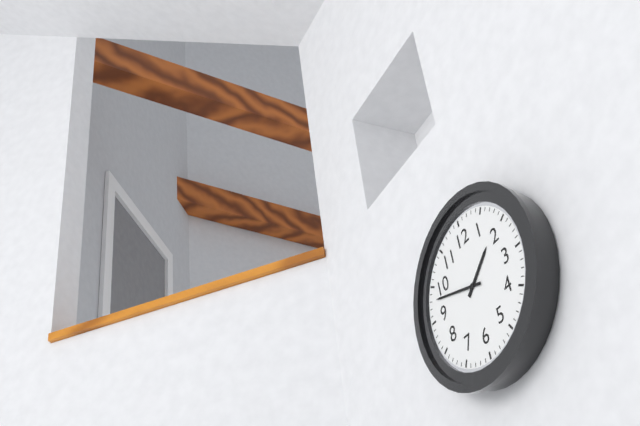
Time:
{"hour": 1, "minute": 48}
